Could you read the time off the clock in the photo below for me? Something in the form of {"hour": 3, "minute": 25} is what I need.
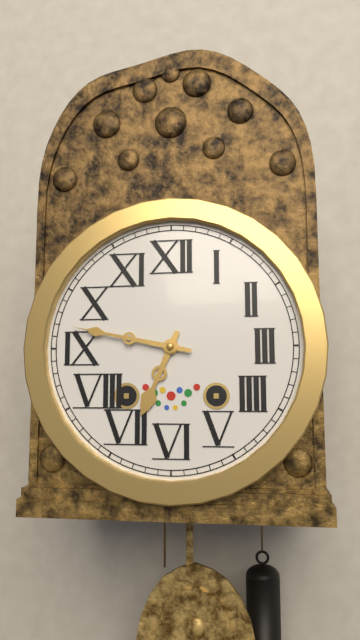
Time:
{"hour": 6, "minute": 47}
